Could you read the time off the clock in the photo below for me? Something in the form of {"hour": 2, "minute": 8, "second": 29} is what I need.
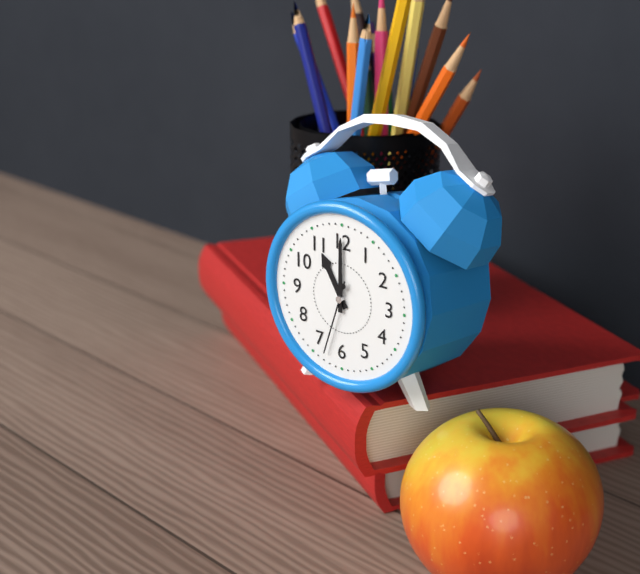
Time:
{"hour": 11, "minute": 0, "second": 33}
